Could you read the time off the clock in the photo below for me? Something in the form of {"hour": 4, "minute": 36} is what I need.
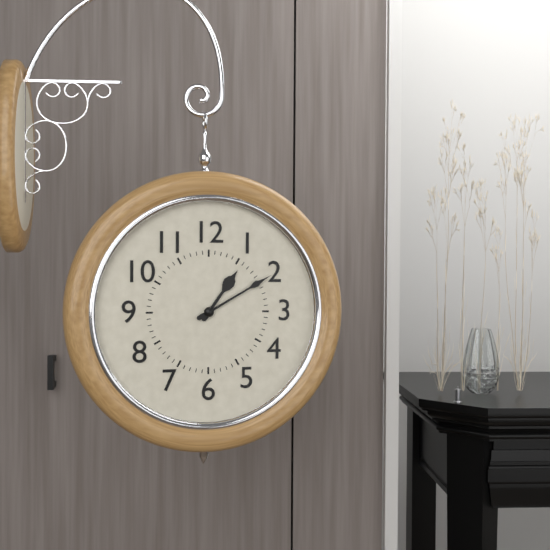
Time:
{"hour": 1, "minute": 10}
